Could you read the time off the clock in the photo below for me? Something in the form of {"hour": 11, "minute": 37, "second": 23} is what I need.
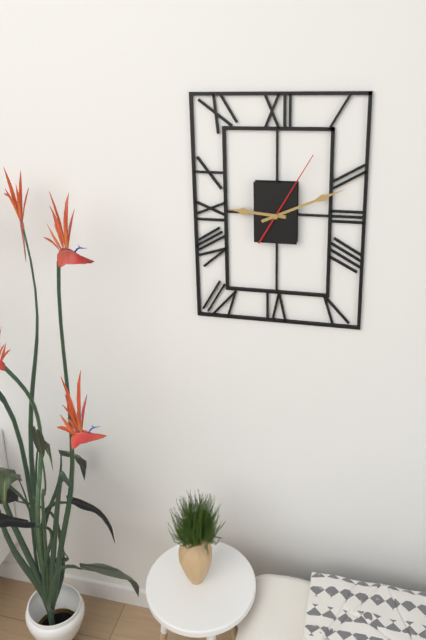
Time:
{"hour": 9, "minute": 11, "second": 5}
